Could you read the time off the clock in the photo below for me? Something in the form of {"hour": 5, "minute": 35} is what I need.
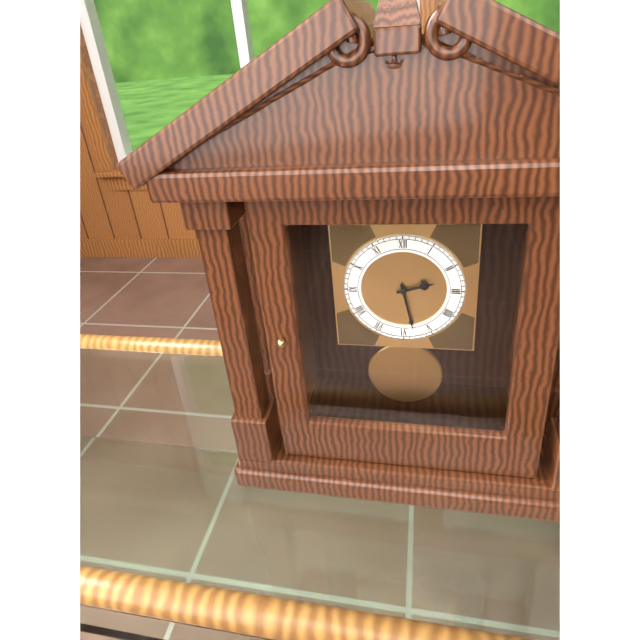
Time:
{"hour": 2, "minute": 28}
